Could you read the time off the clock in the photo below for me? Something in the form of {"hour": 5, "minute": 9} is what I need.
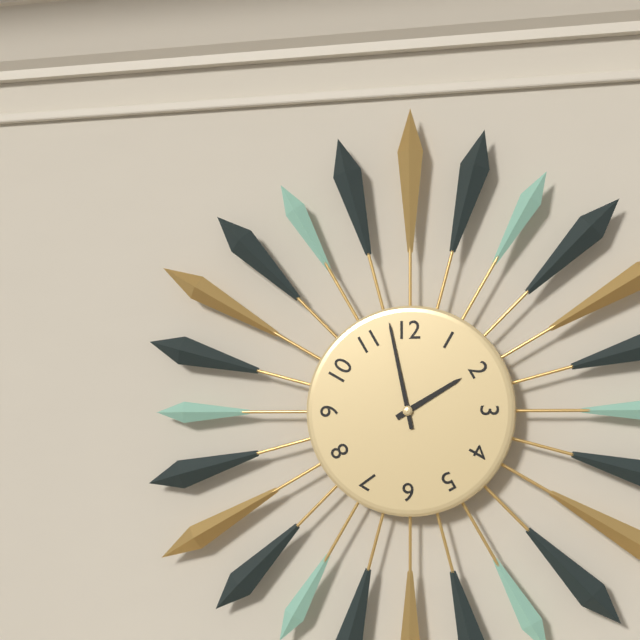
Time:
{"hour": 1, "minute": 58}
